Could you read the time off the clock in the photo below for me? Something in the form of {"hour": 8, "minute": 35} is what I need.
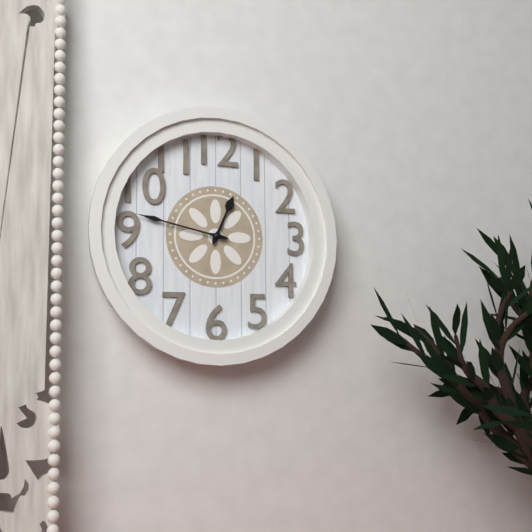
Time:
{"hour": 12, "minute": 47}
